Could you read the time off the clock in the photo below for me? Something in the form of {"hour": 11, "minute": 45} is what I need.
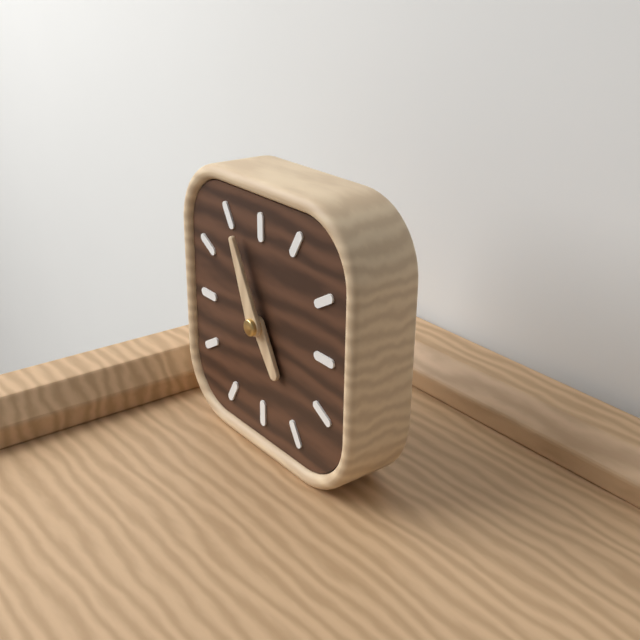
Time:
{"hour": 4, "minute": 56}
